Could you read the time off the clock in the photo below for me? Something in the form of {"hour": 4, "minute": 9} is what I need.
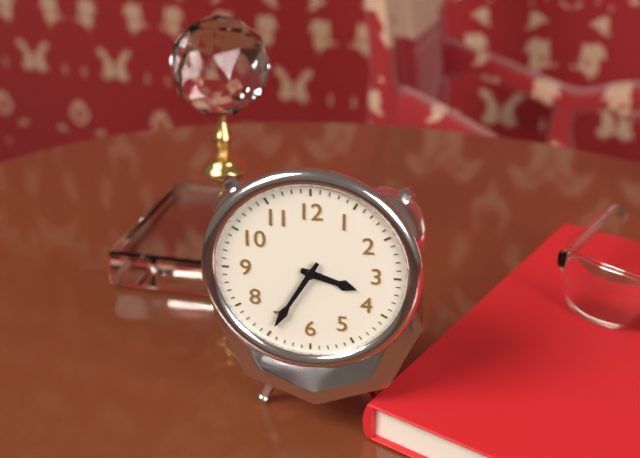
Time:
{"hour": 3, "minute": 35}
